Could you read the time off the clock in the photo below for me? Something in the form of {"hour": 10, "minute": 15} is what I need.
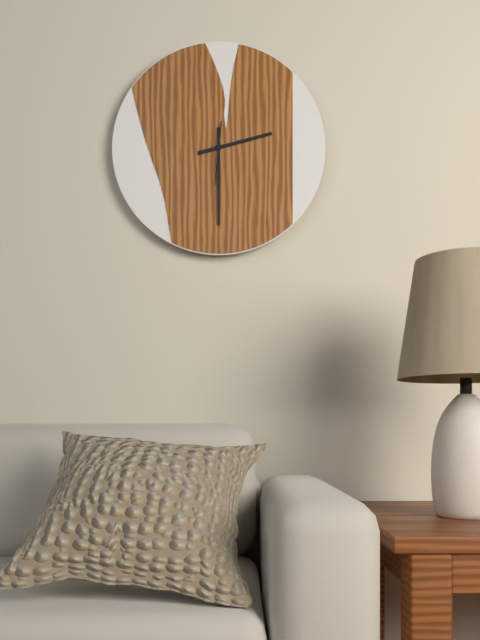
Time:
{"hour": 2, "minute": 30}
